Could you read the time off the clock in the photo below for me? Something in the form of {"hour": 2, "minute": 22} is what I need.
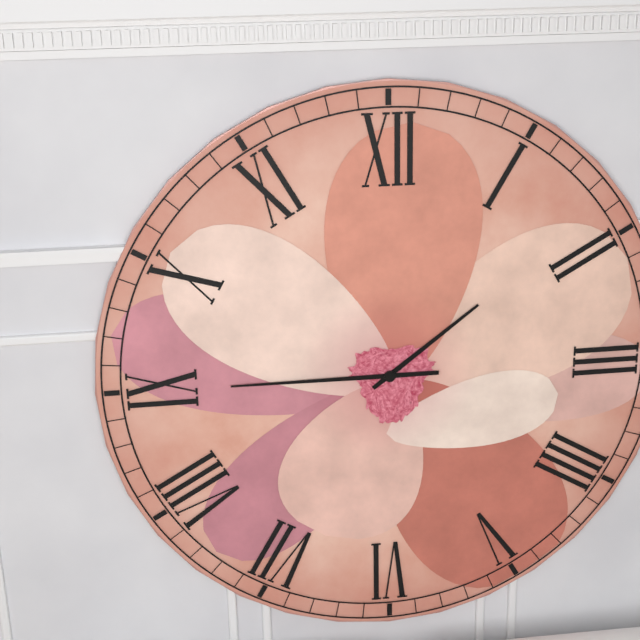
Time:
{"hour": 1, "minute": 45}
